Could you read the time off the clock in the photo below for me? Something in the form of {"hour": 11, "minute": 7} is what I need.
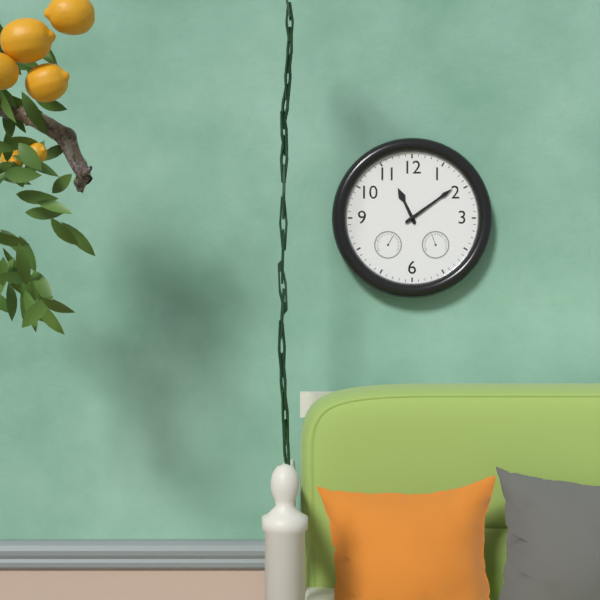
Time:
{"hour": 11, "minute": 9}
